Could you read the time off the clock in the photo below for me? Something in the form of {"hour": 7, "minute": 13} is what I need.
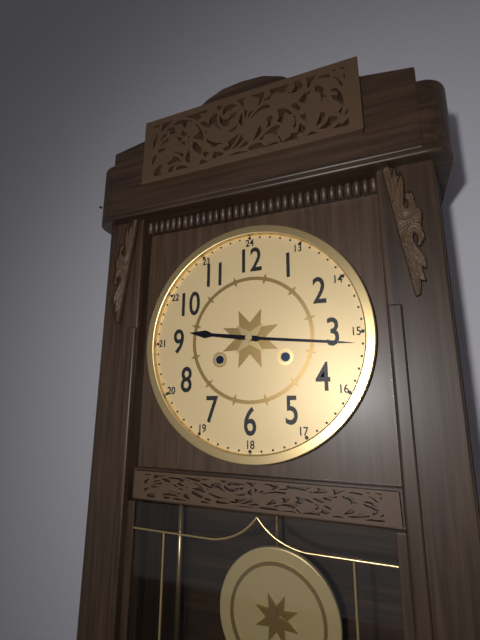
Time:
{"hour": 9, "minute": 16}
